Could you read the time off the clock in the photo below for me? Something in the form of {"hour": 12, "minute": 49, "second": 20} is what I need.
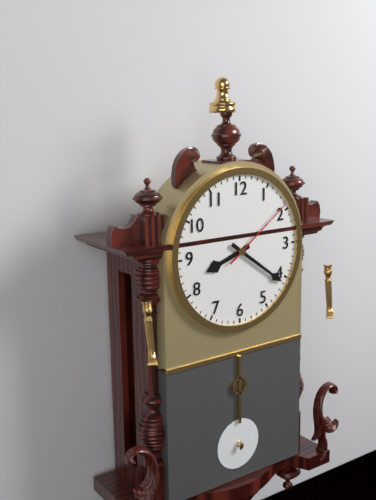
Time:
{"hour": 8, "minute": 21, "second": 9}
